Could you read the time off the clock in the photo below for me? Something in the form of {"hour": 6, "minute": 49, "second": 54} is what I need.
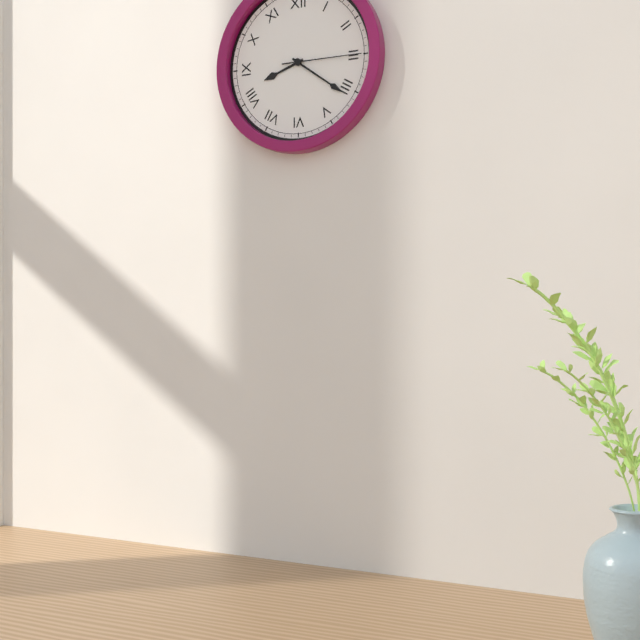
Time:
{"hour": 8, "minute": 21, "second": 15}
